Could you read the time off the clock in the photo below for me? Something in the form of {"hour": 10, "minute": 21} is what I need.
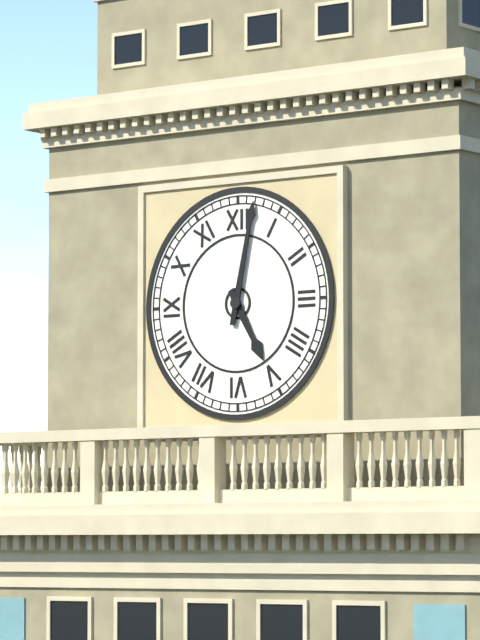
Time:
{"hour": 5, "minute": 2}
